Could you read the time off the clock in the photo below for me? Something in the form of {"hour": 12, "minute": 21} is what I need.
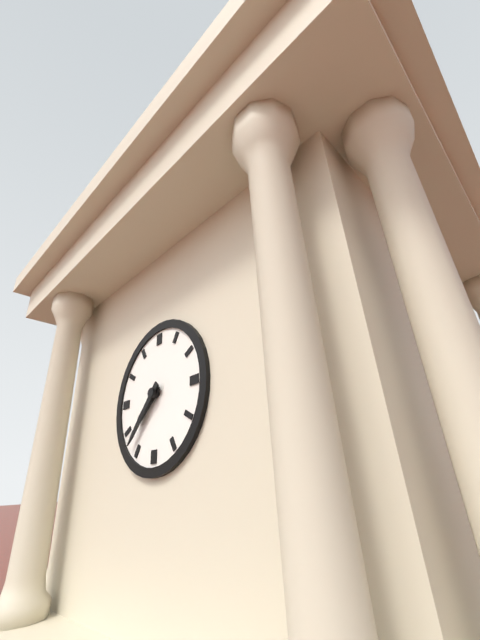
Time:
{"hour": 7, "minute": 37}
